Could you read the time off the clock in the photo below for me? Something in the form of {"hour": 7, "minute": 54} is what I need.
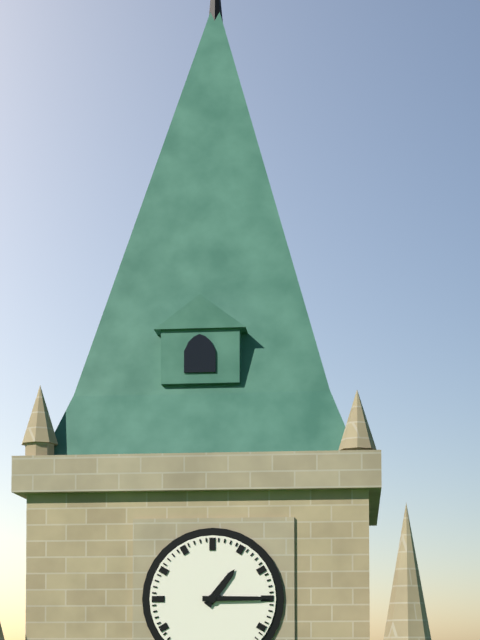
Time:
{"hour": 1, "minute": 15}
